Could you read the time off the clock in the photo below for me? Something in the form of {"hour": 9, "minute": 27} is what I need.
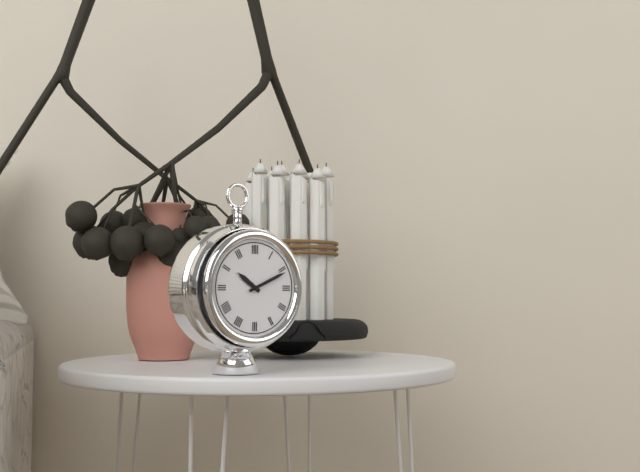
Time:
{"hour": 10, "minute": 11}
